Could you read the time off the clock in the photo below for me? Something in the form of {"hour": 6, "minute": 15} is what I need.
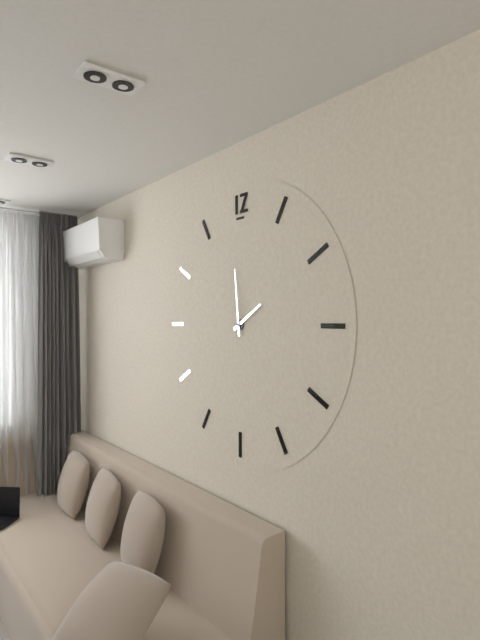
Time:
{"hour": 1, "minute": 59}
